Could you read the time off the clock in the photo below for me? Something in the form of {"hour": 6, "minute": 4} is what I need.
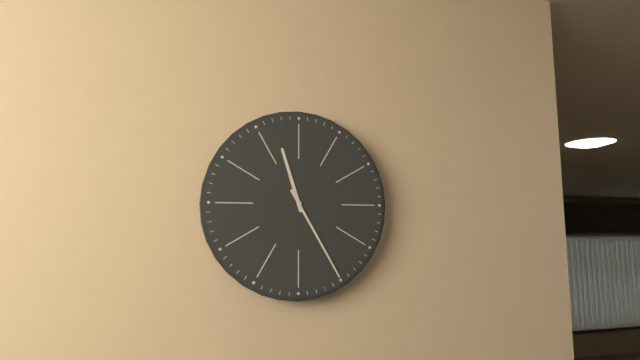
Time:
{"hour": 11, "minute": 25}
